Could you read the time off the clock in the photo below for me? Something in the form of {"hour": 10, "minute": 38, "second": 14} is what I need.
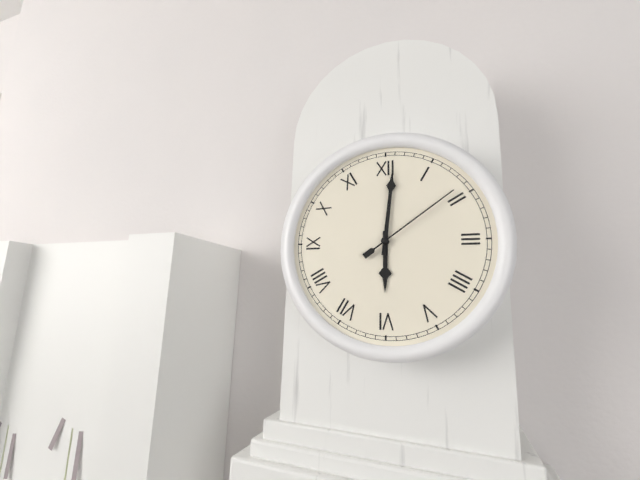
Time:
{"hour": 6, "minute": 1, "second": 9}
